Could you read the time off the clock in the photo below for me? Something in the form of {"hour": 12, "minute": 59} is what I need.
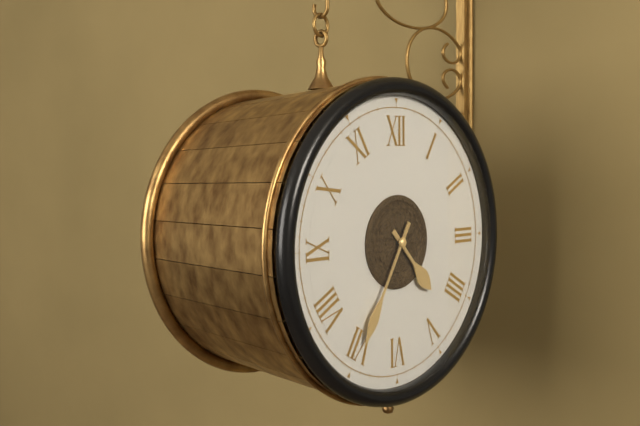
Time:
{"hour": 4, "minute": 35}
